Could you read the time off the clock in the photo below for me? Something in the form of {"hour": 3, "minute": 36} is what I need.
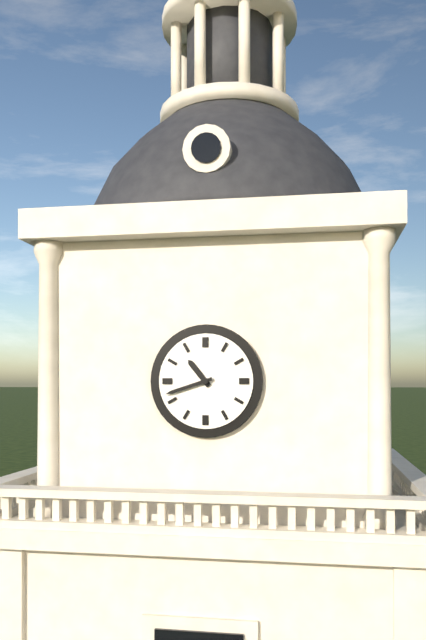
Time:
{"hour": 10, "minute": 42}
